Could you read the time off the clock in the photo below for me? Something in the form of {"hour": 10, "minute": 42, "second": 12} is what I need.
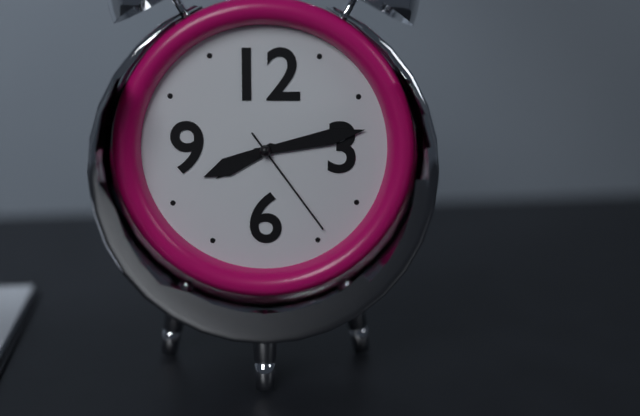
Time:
{"hour": 8, "minute": 13, "second": 24}
